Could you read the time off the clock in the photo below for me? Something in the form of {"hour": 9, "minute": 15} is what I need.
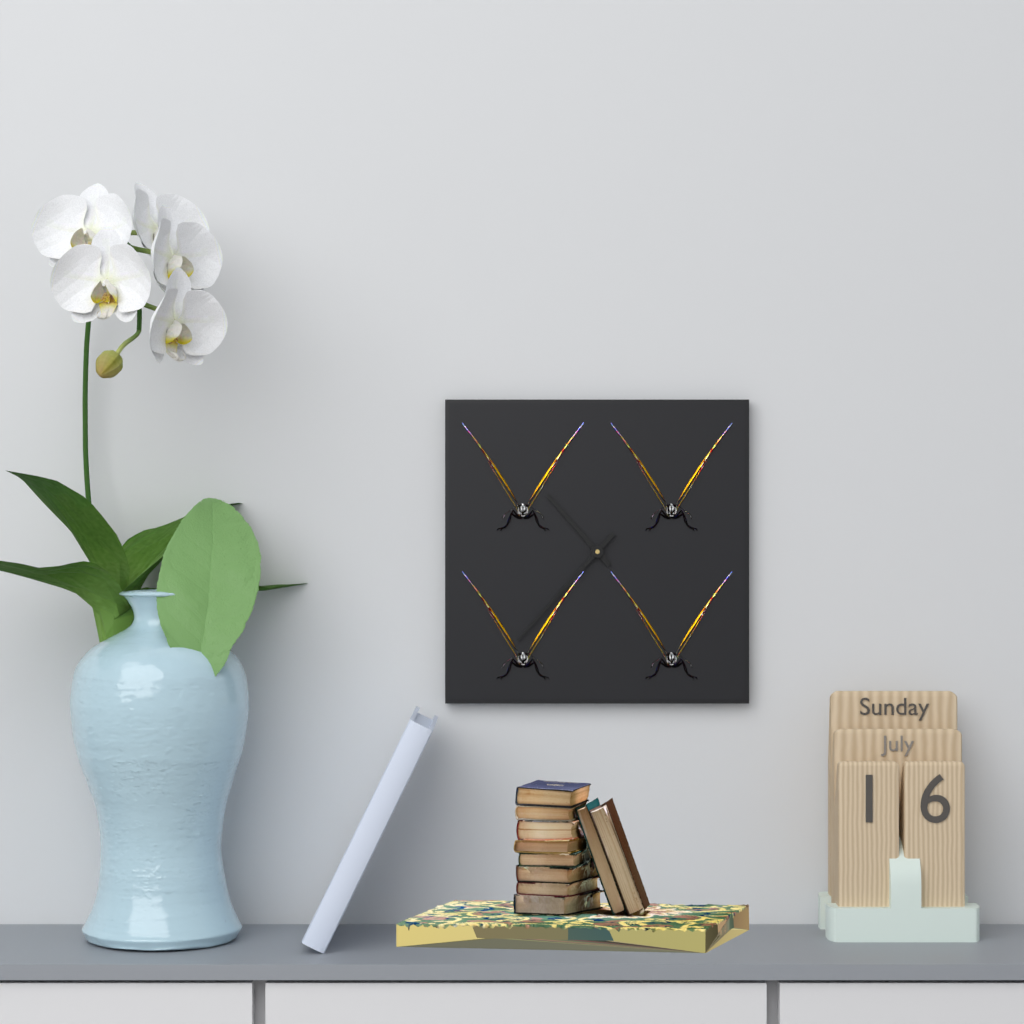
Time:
{"hour": 10, "minute": 37}
